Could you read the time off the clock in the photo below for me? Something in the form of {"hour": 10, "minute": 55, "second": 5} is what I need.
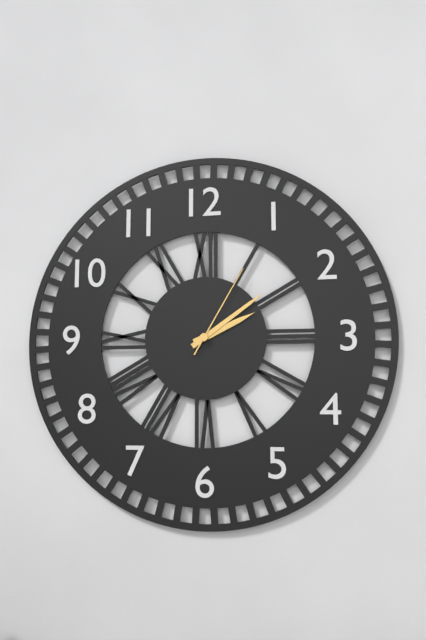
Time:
{"hour": 2, "minute": 9, "second": 5}
